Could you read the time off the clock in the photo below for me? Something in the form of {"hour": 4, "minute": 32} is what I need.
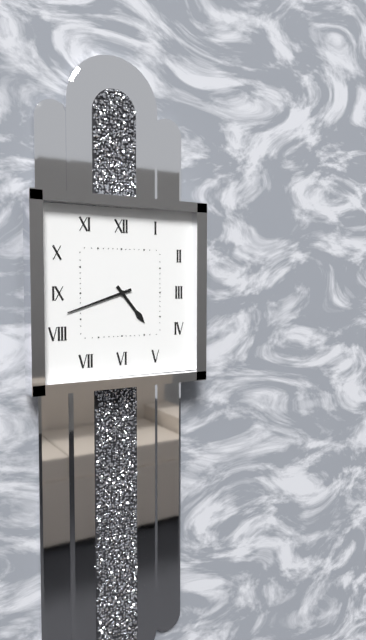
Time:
{"hour": 4, "minute": 42}
